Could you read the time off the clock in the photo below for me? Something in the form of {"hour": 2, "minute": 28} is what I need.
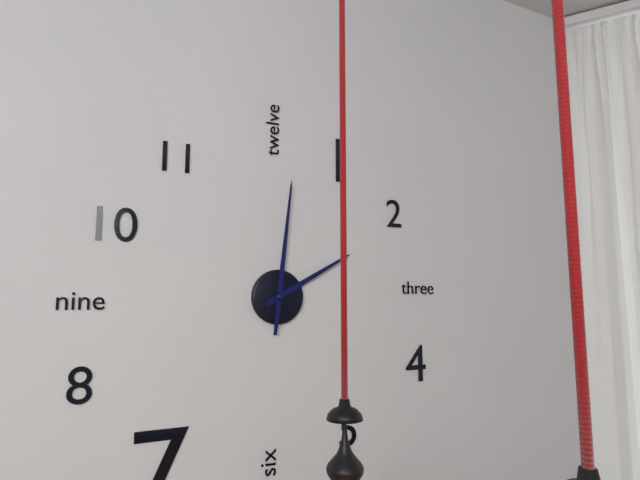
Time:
{"hour": 2, "minute": 1}
